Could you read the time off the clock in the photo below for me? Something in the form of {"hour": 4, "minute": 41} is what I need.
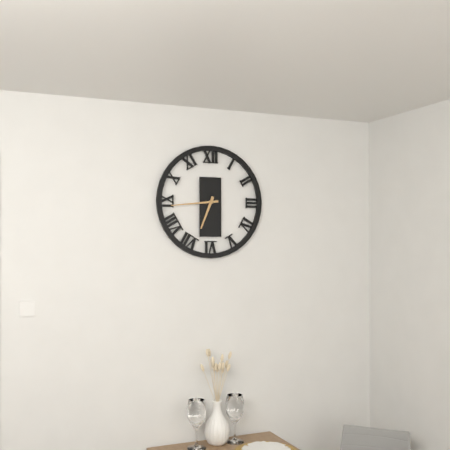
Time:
{"hour": 6, "minute": 44}
